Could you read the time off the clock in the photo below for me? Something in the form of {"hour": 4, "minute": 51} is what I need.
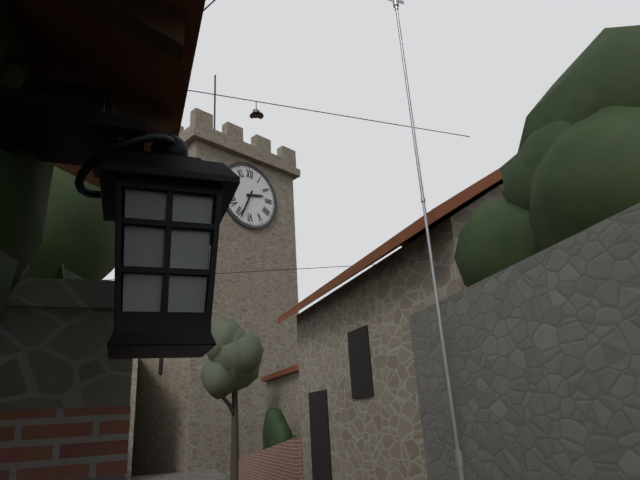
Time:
{"hour": 2, "minute": 34}
